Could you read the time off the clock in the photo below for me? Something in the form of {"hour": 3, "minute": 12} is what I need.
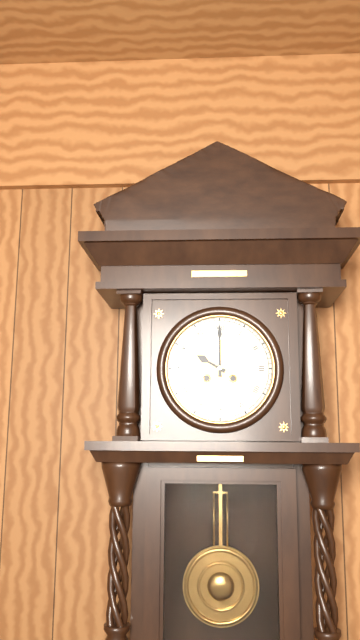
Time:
{"hour": 10, "minute": 0}
